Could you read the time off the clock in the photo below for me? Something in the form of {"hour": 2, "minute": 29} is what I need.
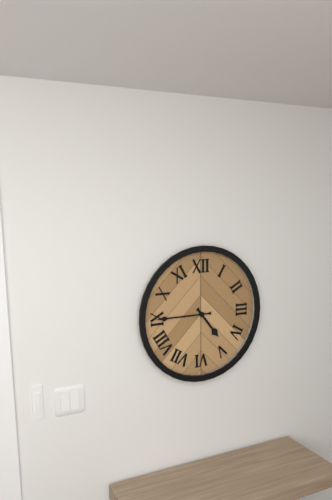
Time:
{"hour": 4, "minute": 45}
